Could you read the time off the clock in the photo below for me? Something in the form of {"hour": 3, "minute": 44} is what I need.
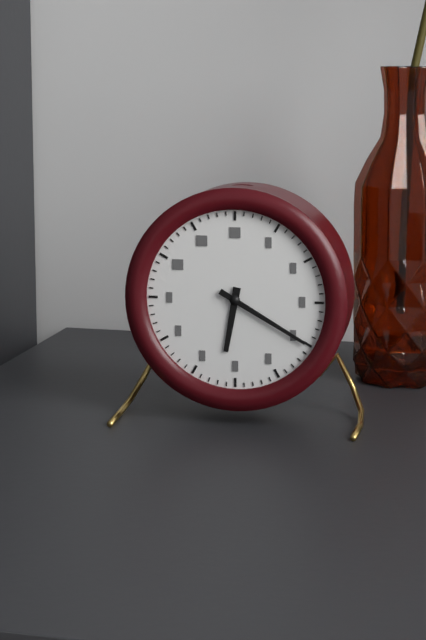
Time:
{"hour": 6, "minute": 20}
